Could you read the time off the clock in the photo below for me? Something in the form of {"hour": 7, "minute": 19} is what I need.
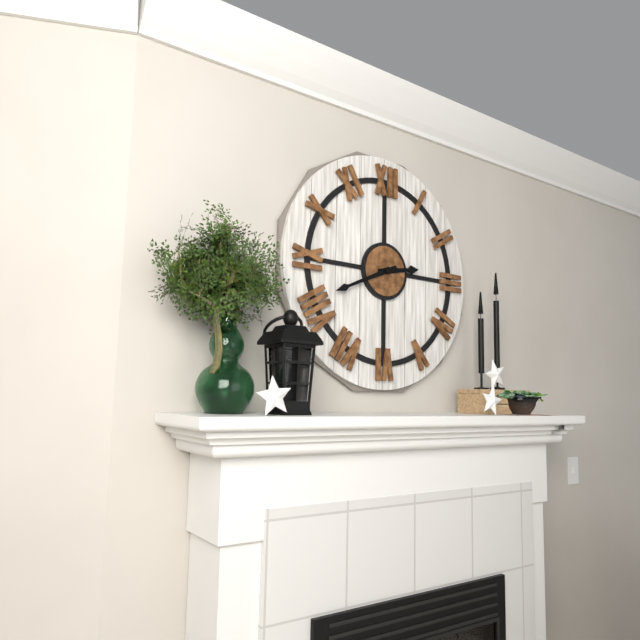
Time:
{"hour": 2, "minute": 41}
